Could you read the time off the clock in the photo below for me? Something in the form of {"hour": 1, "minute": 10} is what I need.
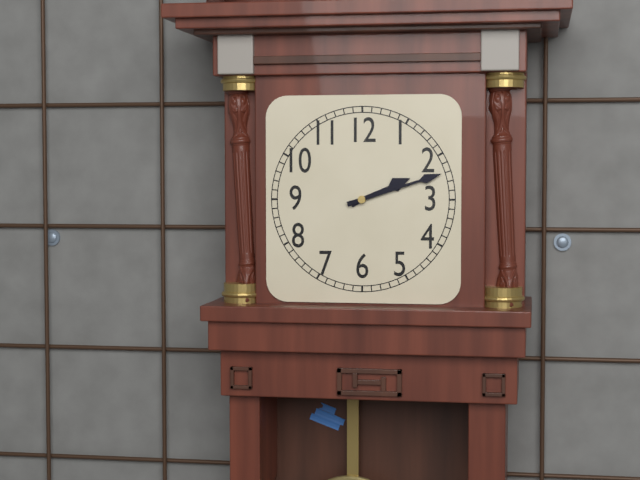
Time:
{"hour": 2, "minute": 12}
